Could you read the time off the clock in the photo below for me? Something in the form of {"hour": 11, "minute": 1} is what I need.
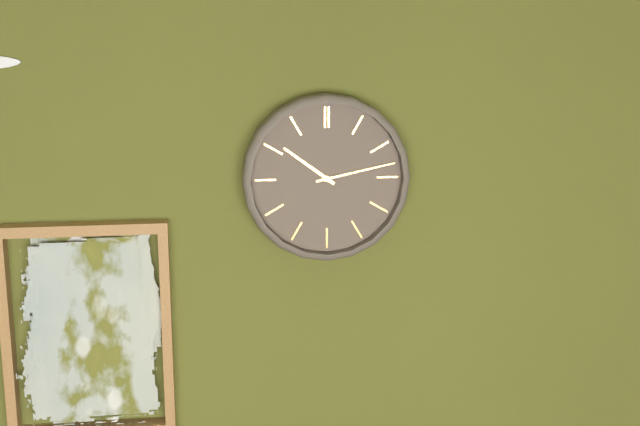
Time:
{"hour": 10, "minute": 13}
